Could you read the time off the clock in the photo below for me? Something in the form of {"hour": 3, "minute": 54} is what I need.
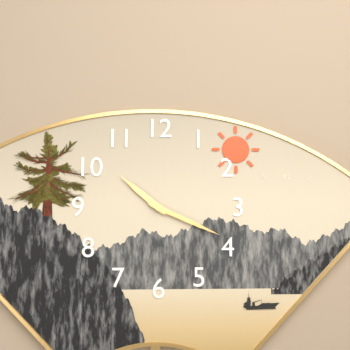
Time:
{"hour": 10, "minute": 19}
